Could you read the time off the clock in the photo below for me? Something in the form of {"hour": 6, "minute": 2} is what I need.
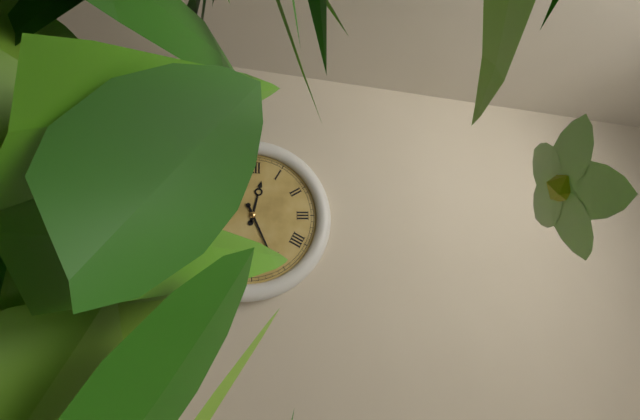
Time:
{"hour": 12, "minute": 26}
